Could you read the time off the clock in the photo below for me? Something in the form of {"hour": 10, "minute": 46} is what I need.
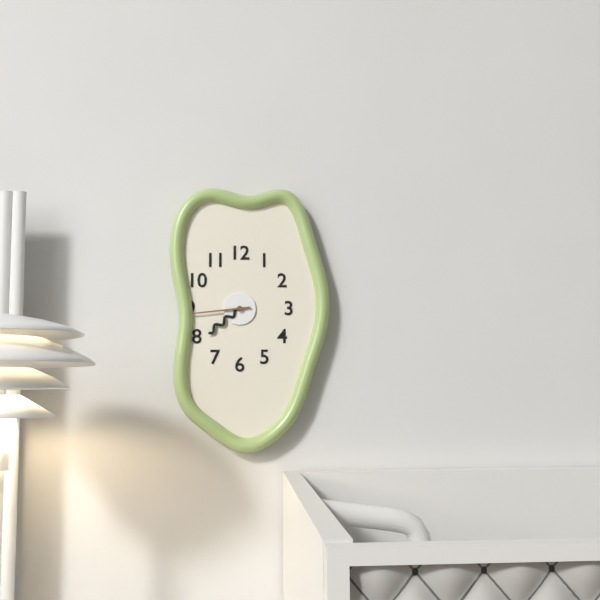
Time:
{"hour": 7, "minute": 44}
